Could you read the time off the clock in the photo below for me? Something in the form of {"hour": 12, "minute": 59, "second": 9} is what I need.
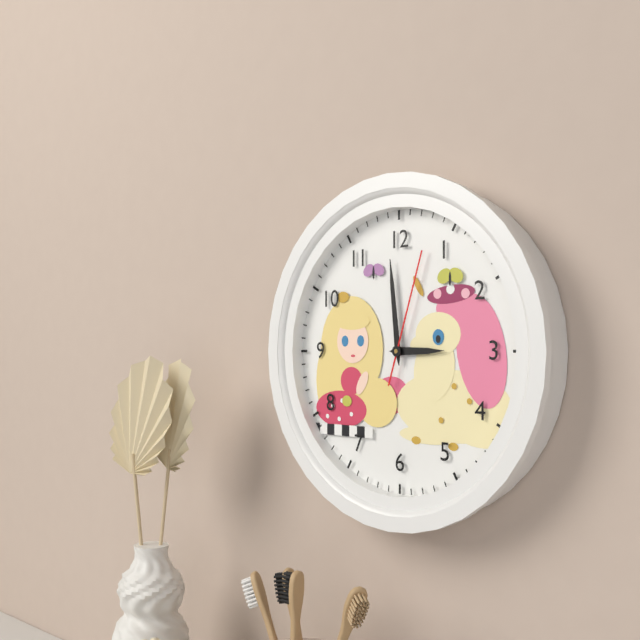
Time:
{"hour": 2, "minute": 59, "second": 3}
